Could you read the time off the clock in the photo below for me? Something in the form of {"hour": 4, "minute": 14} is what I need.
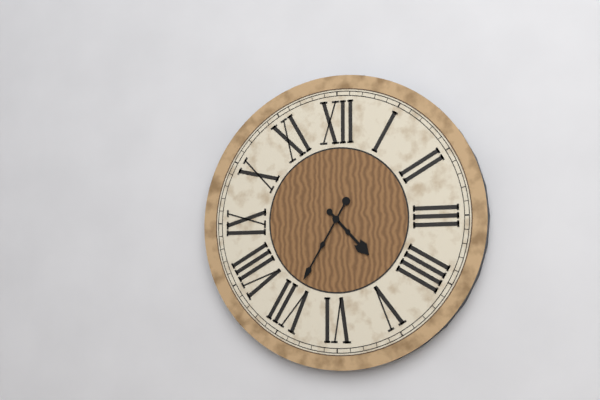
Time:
{"hour": 4, "minute": 35}
